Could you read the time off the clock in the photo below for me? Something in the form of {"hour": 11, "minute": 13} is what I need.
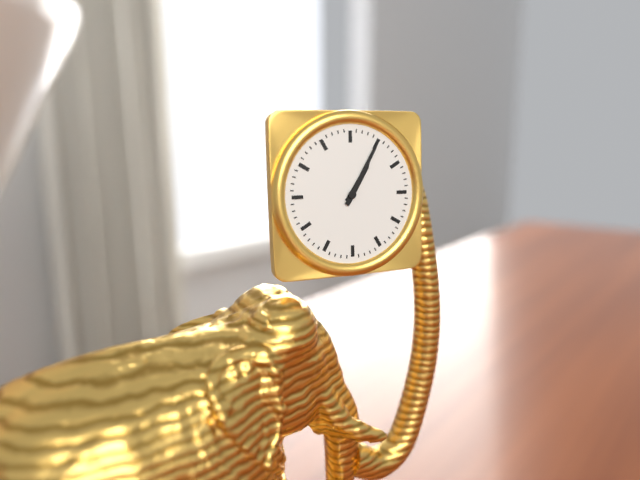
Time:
{"hour": 1, "minute": 5}
